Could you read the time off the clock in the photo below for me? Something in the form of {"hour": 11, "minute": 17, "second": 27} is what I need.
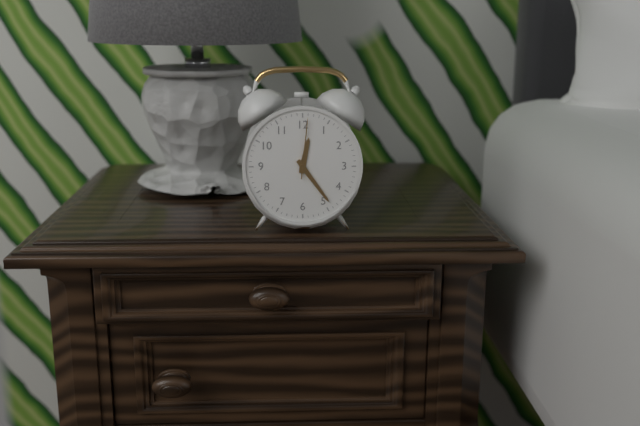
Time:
{"hour": 12, "minute": 24, "second": 1}
